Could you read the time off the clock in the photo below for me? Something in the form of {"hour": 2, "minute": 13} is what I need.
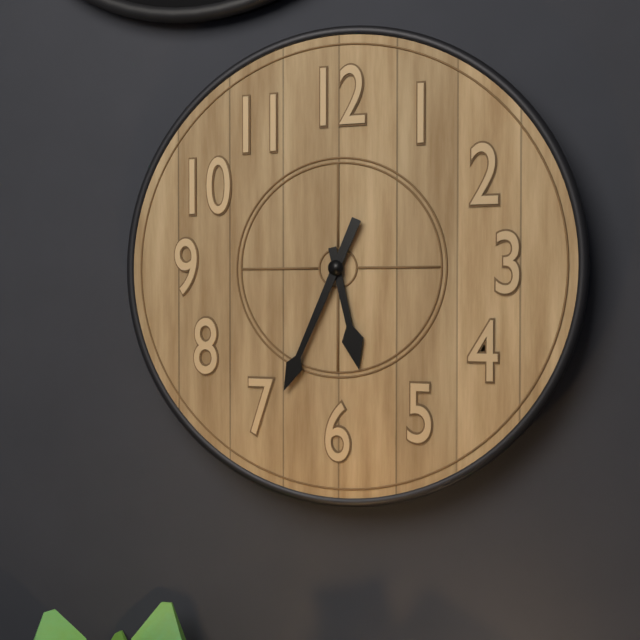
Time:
{"hour": 5, "minute": 34}
